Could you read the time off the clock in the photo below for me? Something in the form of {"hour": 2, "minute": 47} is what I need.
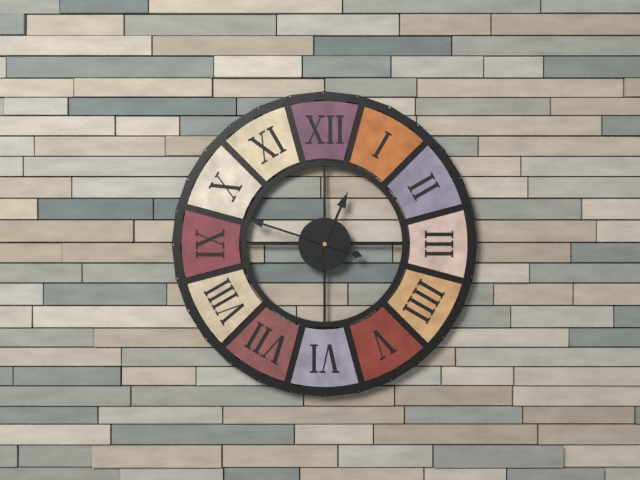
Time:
{"hour": 12, "minute": 48}
